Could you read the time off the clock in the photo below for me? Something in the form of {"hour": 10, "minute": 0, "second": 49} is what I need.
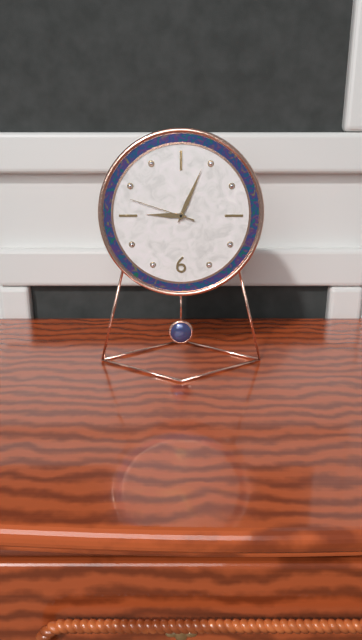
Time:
{"hour": 9, "minute": 4, "second": 48}
